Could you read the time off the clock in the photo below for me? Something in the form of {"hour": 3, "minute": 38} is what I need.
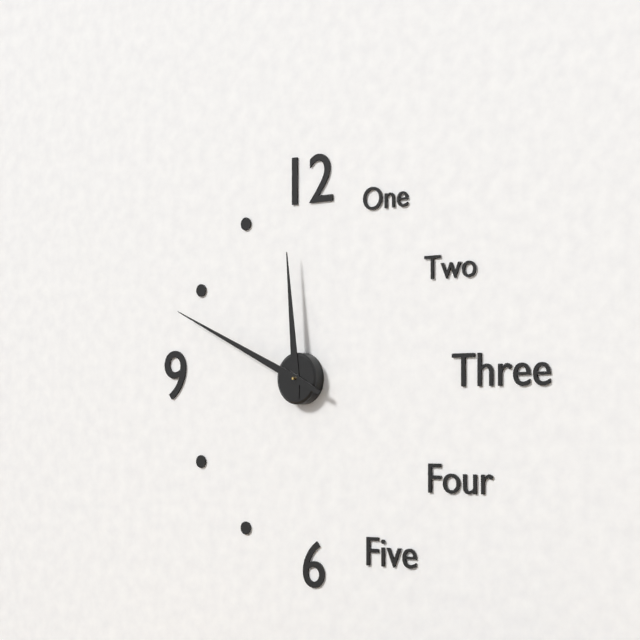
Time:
{"hour": 11, "minute": 49}
